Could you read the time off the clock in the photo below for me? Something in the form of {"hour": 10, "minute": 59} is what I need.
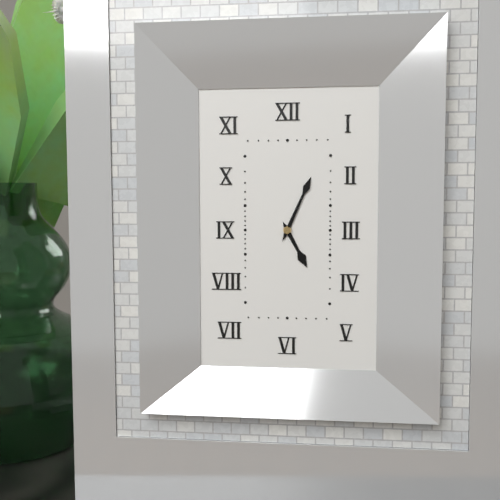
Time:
{"hour": 5, "minute": 4}
